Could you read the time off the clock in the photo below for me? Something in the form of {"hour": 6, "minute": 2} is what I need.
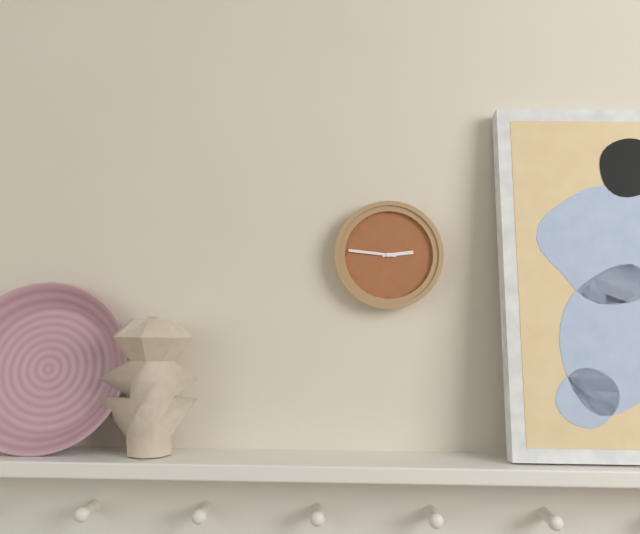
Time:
{"hour": 2, "minute": 46}
